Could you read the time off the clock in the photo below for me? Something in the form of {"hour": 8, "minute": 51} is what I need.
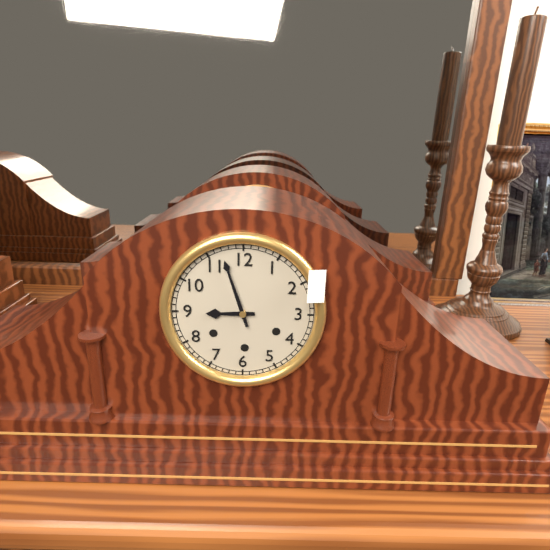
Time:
{"hour": 8, "minute": 57}
